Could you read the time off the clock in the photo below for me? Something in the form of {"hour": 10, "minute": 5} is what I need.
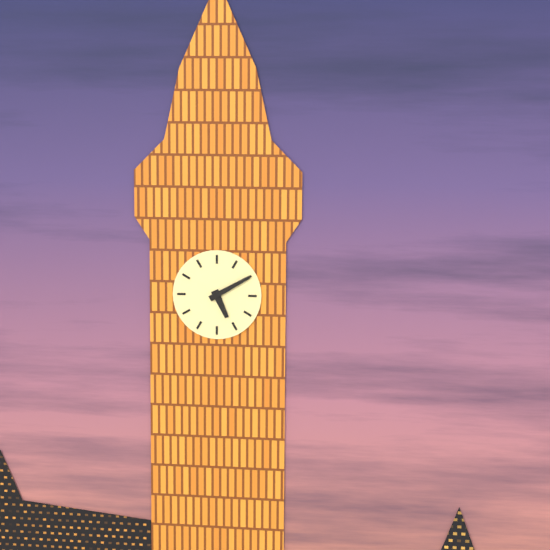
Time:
{"hour": 5, "minute": 10}
